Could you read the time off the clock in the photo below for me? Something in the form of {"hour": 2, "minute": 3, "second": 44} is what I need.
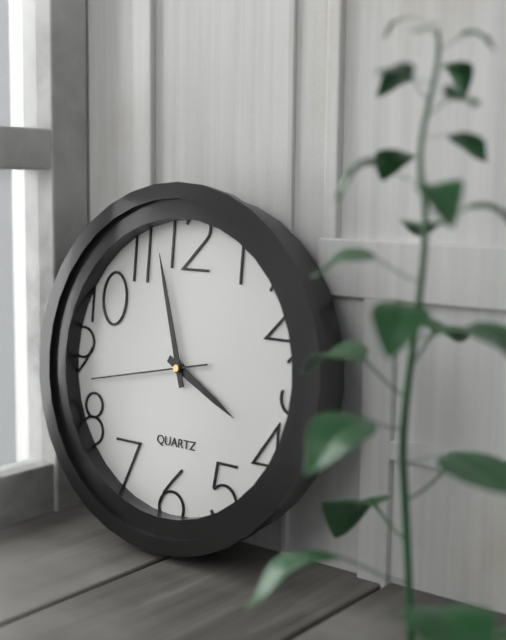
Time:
{"hour": 3, "minute": 57, "second": 43}
